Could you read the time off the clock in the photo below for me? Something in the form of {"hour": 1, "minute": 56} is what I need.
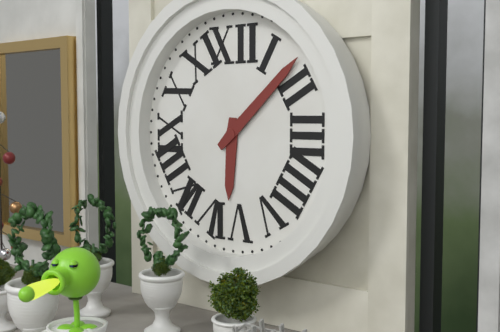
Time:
{"hour": 6, "minute": 8}
